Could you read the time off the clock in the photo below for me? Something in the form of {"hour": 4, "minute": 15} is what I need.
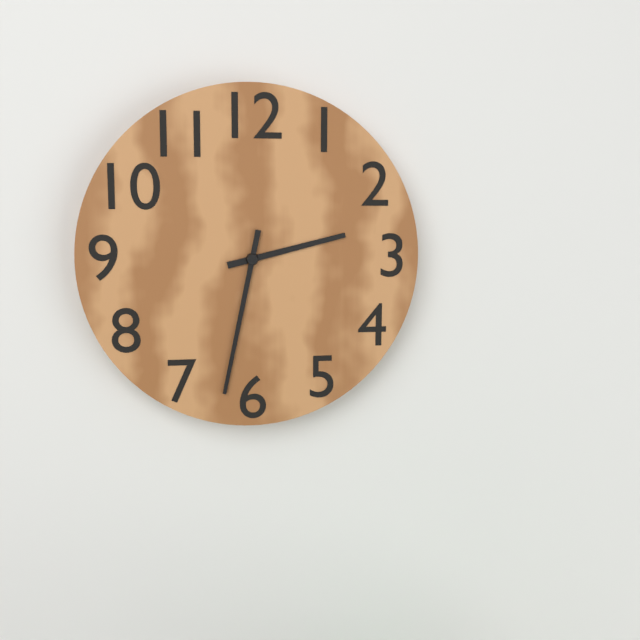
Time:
{"hour": 2, "minute": 32}
